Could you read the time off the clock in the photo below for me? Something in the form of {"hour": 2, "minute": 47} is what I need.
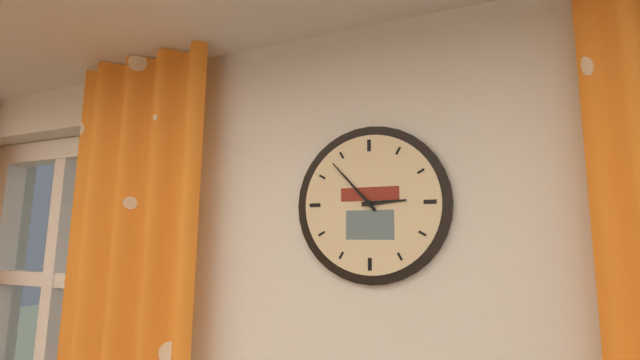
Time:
{"hour": 2, "minute": 53}
